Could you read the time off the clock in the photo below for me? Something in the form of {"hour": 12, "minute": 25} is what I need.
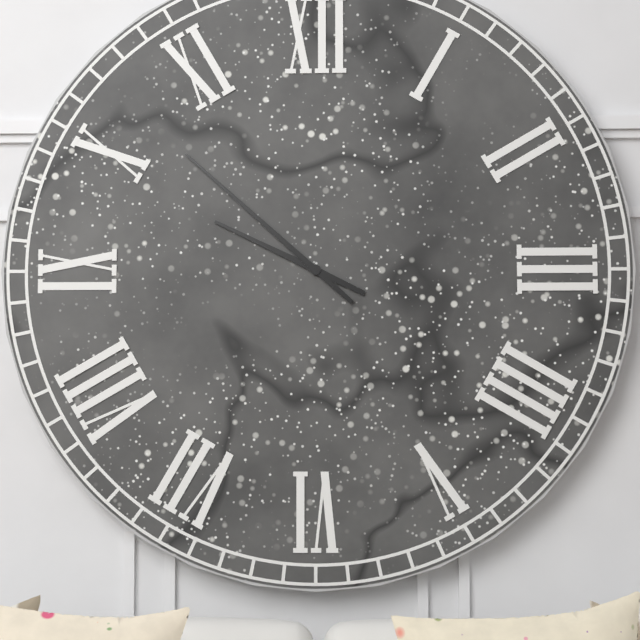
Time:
{"hour": 9, "minute": 52}
